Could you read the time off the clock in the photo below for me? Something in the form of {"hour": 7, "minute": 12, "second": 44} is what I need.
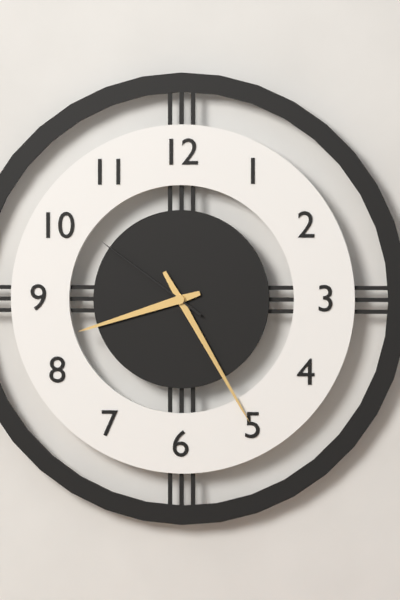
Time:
{"hour": 8, "minute": 25, "second": 51}
